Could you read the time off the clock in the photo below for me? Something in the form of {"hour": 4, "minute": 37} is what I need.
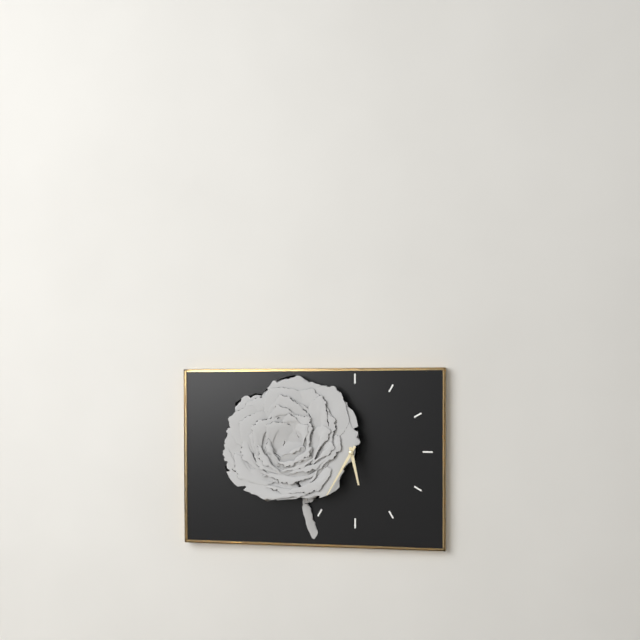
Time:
{"hour": 5, "minute": 35}
